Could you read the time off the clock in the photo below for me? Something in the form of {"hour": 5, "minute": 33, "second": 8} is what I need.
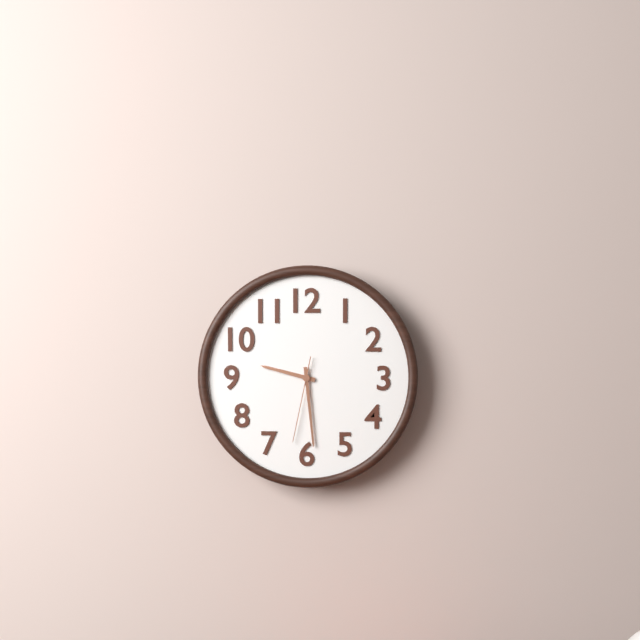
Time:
{"hour": 9, "minute": 29, "second": 32}
